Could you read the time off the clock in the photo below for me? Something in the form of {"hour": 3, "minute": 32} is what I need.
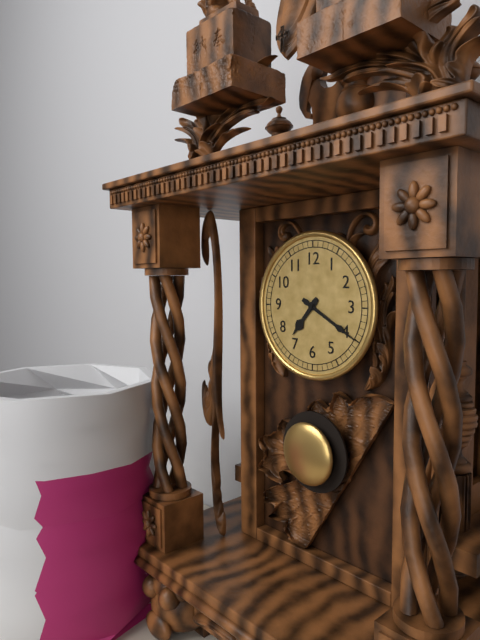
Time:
{"hour": 7, "minute": 20}
